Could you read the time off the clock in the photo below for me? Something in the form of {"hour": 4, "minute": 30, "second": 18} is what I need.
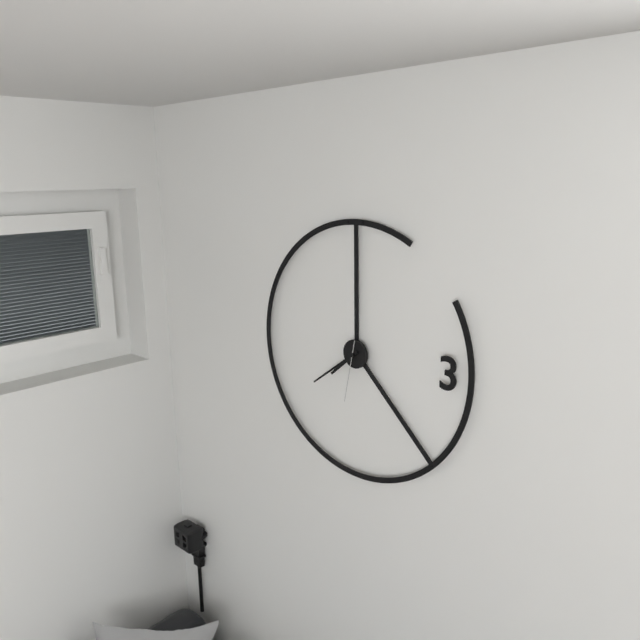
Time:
{"hour": 7, "minute": 39, "second": 32}
